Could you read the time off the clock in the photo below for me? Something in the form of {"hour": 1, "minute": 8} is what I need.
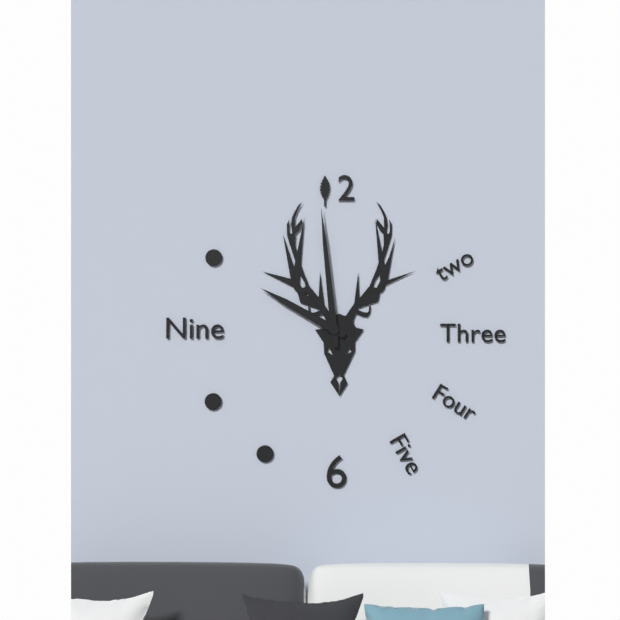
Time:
{"hour": 9, "minute": 59}
